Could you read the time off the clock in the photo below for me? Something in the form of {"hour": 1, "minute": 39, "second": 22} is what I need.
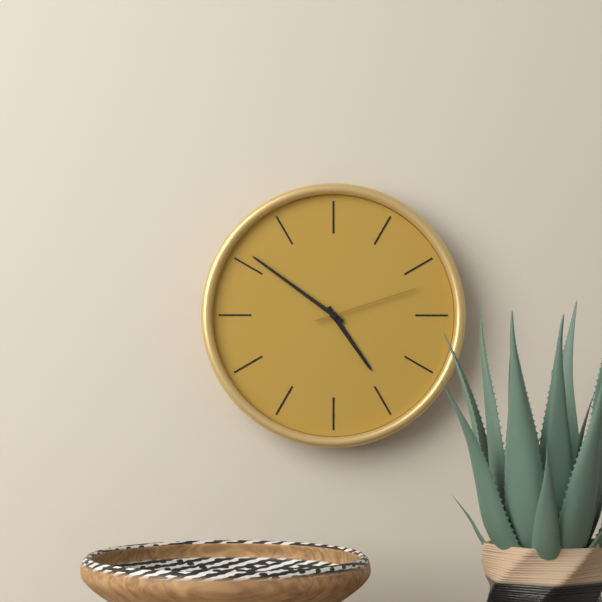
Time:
{"hour": 4, "minute": 51, "second": 12}
